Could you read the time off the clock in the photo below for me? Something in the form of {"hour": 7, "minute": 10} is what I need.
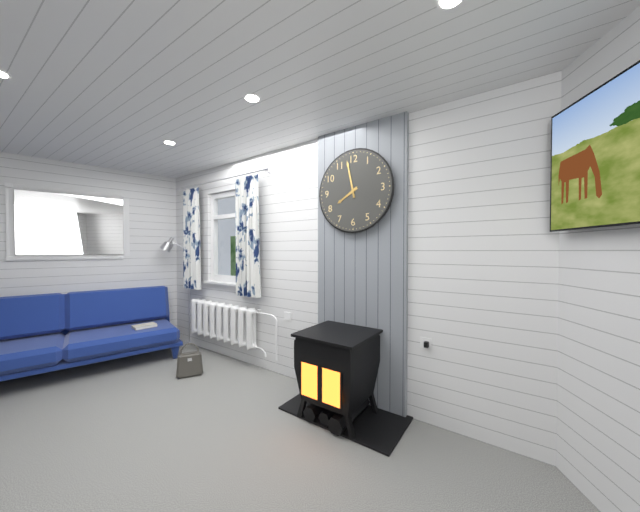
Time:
{"hour": 7, "minute": 58}
